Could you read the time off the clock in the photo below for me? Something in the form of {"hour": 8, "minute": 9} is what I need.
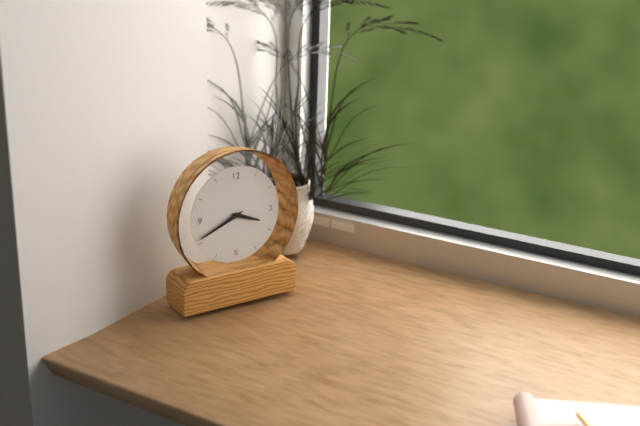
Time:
{"hour": 3, "minute": 41}
